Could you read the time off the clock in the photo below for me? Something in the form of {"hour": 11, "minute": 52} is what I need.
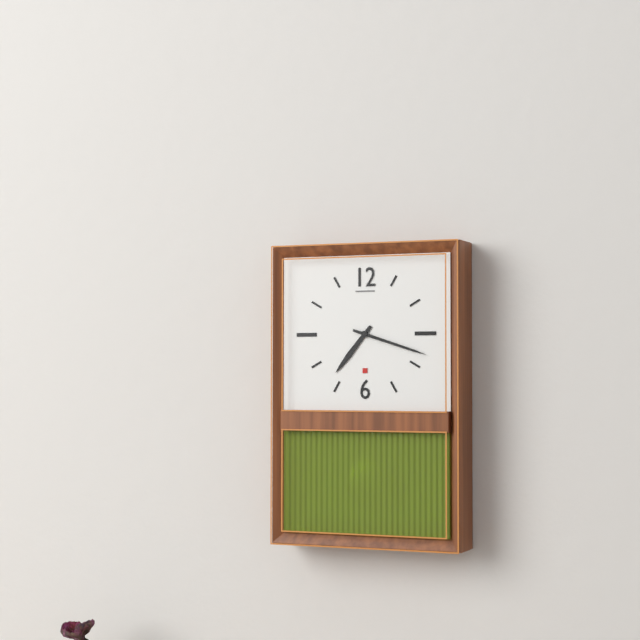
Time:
{"hour": 7, "minute": 18}
